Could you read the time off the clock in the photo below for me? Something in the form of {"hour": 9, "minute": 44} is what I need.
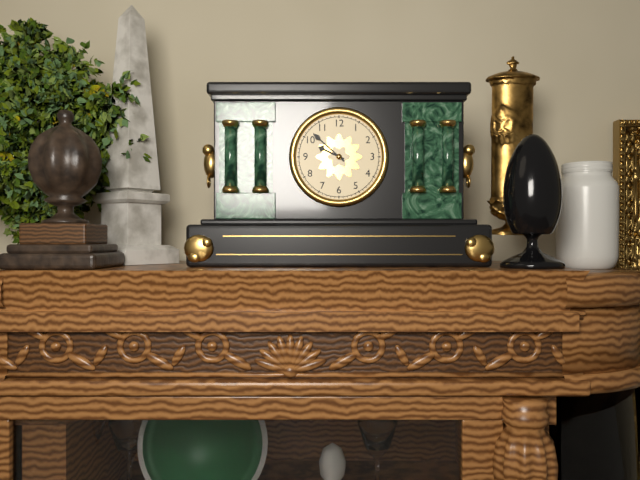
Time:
{"hour": 9, "minute": 52}
